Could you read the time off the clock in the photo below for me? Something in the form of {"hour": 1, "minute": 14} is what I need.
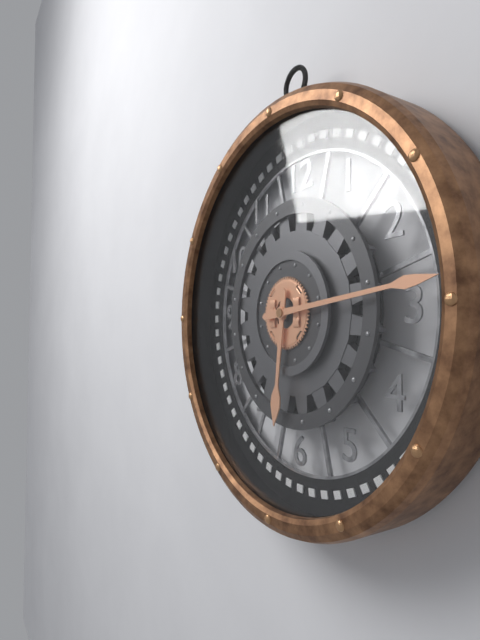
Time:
{"hour": 6, "minute": 14}
